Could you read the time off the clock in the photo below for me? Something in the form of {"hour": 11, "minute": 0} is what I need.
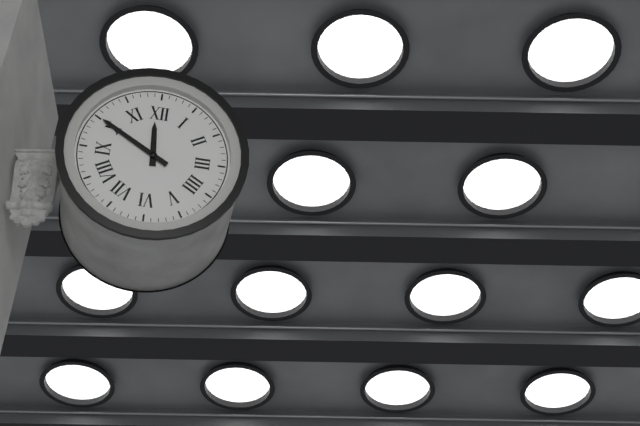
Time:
{"hour": 11, "minute": 50}
